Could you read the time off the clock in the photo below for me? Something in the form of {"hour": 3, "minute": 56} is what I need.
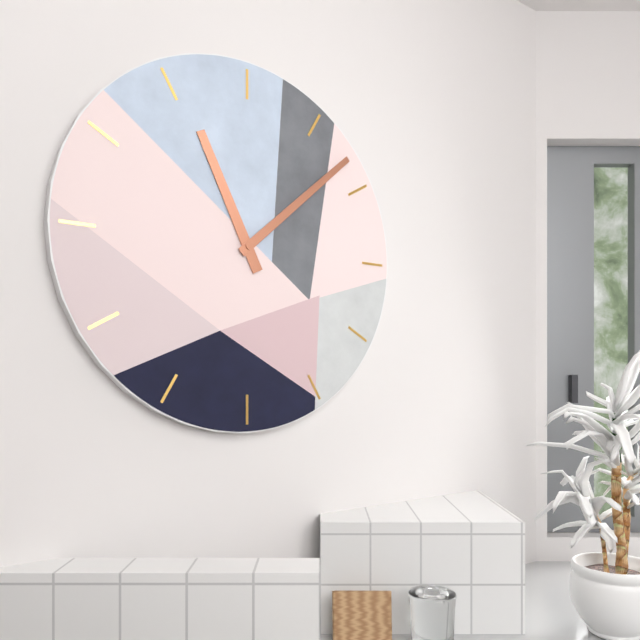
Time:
{"hour": 11, "minute": 8}
